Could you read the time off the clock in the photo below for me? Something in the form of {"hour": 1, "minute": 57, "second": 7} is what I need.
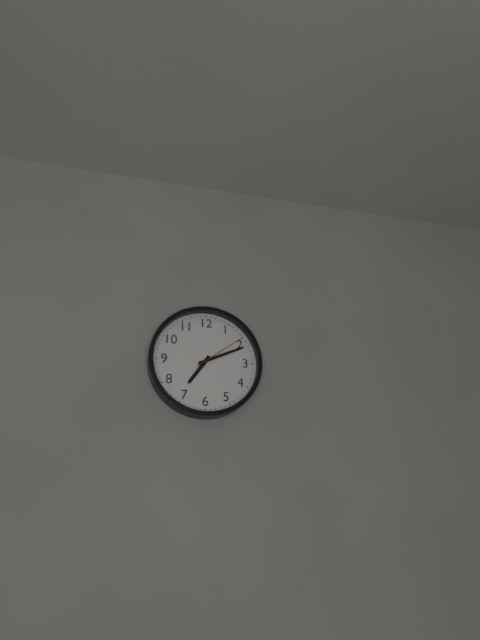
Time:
{"hour": 7, "minute": 11, "second": 9}
